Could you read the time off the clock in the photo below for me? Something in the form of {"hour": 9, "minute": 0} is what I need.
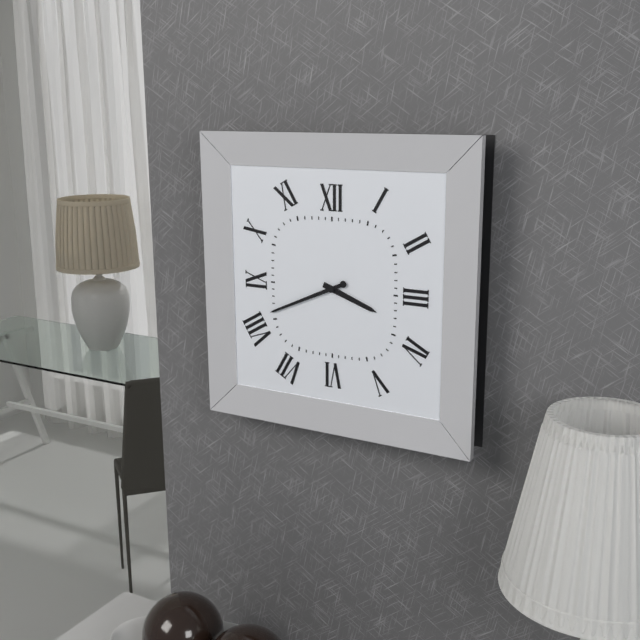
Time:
{"hour": 3, "minute": 41}
